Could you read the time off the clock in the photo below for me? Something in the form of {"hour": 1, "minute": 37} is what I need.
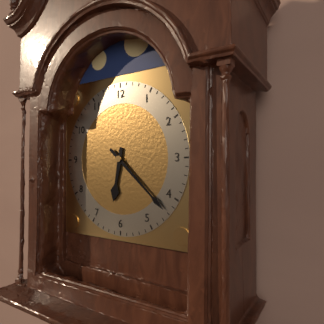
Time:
{"hour": 6, "minute": 22}
